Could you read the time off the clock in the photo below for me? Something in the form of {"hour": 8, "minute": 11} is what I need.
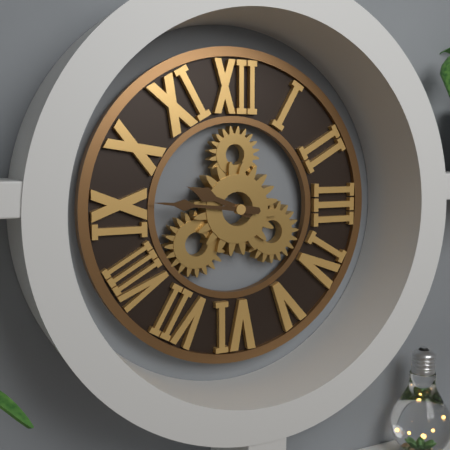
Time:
{"hour": 9, "minute": 46}
